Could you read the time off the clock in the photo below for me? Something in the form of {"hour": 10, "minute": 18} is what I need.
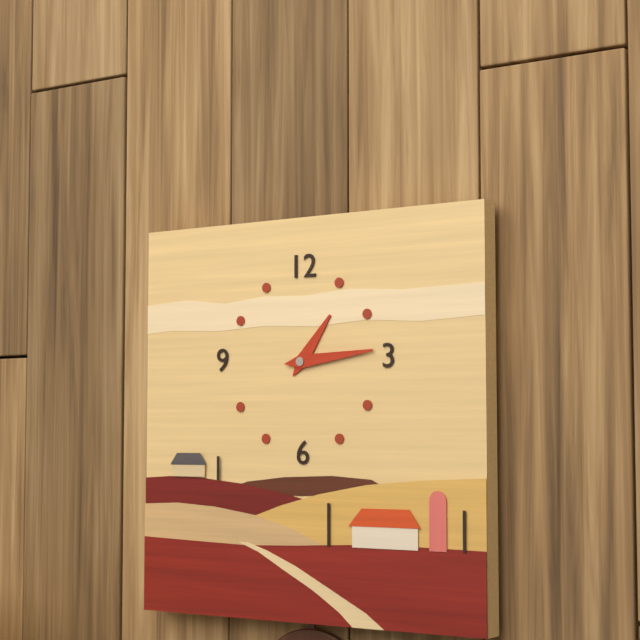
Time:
{"hour": 1, "minute": 14}
